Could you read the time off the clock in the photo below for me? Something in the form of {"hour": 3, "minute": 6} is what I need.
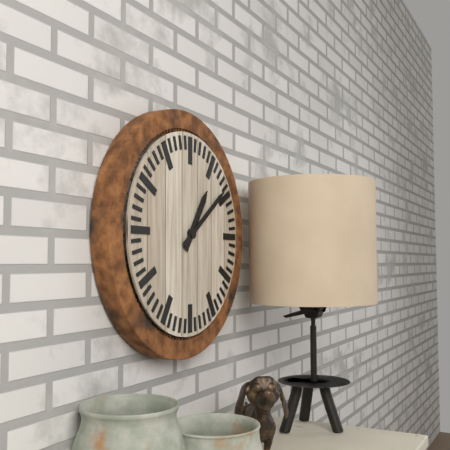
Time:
{"hour": 1, "minute": 9}
